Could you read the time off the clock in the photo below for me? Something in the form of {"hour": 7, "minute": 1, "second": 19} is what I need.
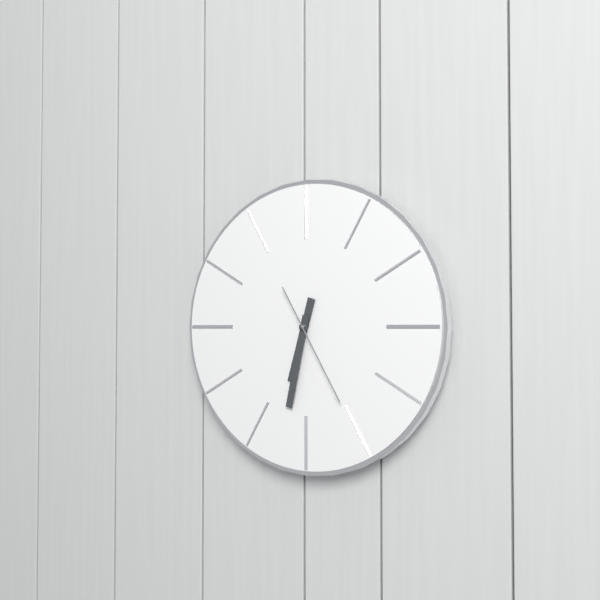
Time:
{"hour": 6, "minute": 32, "second": 25}
